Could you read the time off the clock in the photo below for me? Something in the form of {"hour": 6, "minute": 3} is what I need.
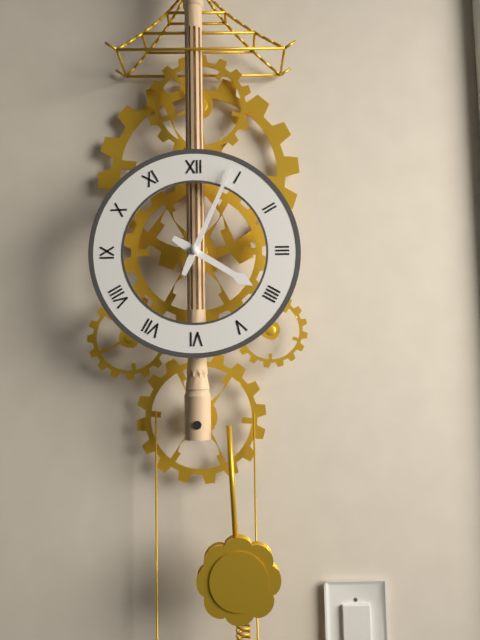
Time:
{"hour": 4, "minute": 4}
